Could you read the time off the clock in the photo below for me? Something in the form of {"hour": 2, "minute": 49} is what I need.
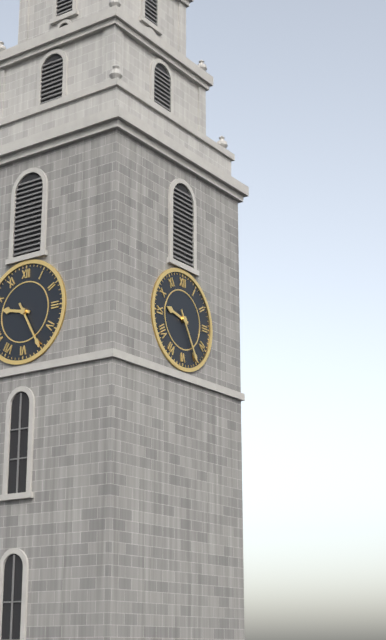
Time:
{"hour": 9, "minute": 25}
